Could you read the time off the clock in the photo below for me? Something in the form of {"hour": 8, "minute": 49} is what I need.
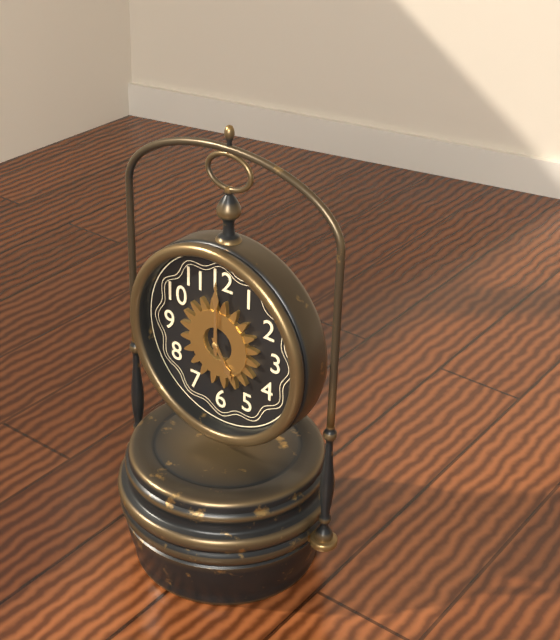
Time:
{"hour": 5, "minute": 0}
